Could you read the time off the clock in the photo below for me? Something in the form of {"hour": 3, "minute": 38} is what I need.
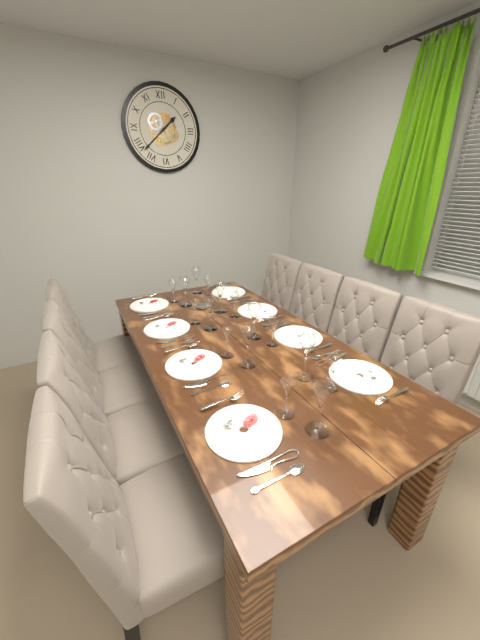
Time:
{"hour": 1, "minute": 38}
